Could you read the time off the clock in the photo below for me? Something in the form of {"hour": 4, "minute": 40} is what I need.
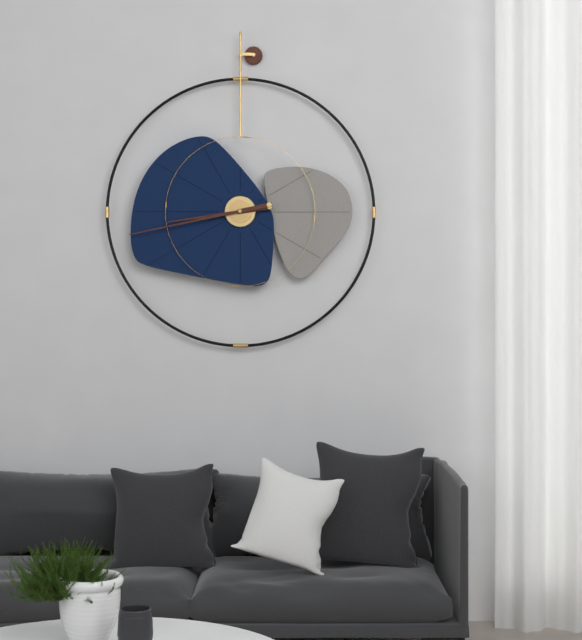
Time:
{"hour": 8, "minute": 43}
